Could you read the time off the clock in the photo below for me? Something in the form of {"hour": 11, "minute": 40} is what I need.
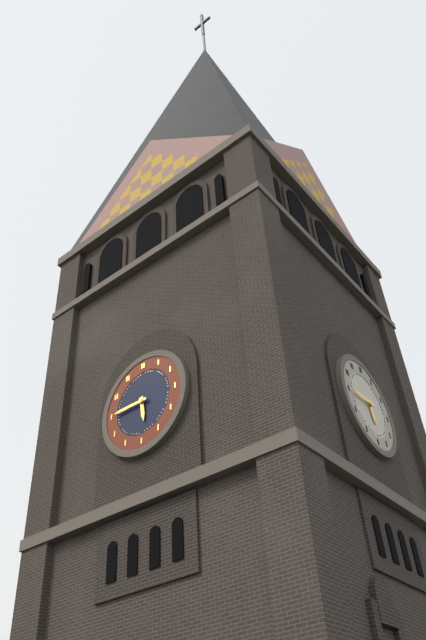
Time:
{"hour": 5, "minute": 45}
